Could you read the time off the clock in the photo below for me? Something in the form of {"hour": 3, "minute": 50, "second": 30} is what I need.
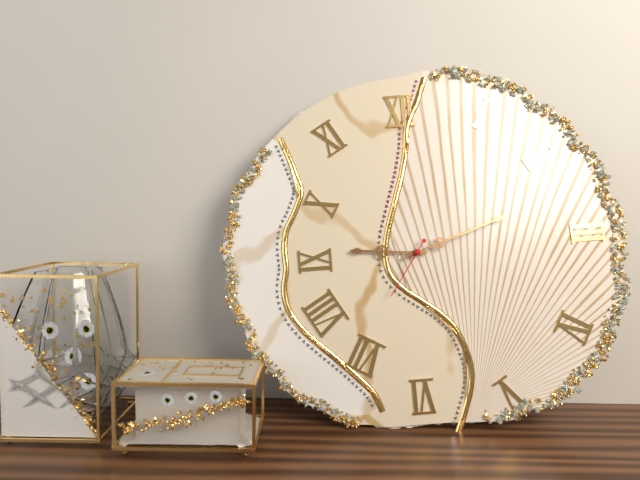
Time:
{"hour": 9, "minute": 12, "second": 36}
